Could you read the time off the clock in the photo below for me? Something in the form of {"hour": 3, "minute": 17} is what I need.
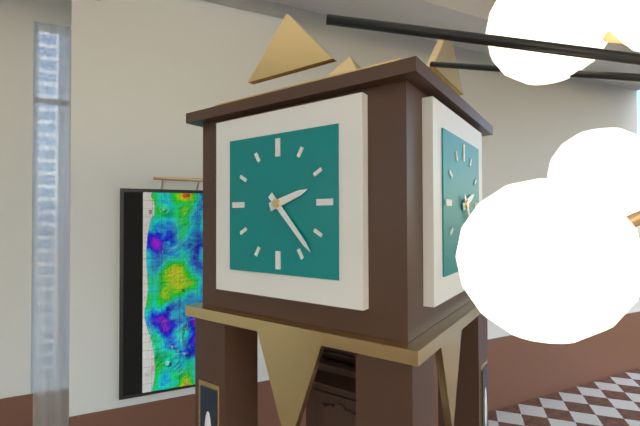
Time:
{"hour": 2, "minute": 23}
